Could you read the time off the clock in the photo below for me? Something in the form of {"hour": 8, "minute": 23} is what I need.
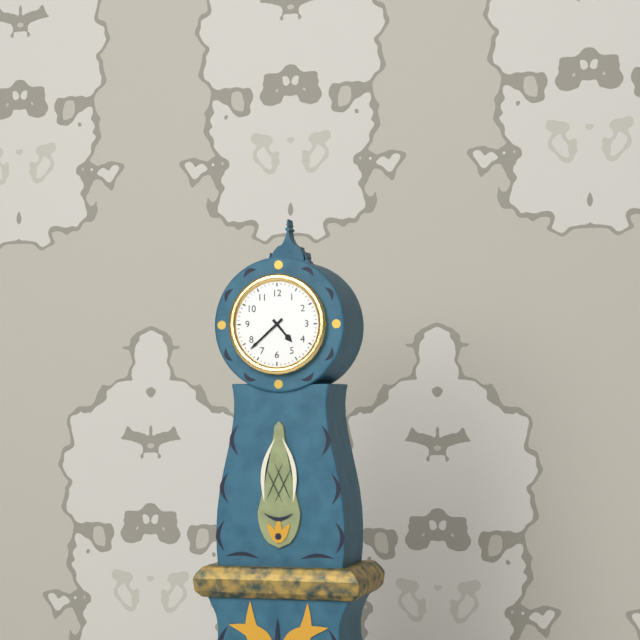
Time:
{"hour": 4, "minute": 38}
